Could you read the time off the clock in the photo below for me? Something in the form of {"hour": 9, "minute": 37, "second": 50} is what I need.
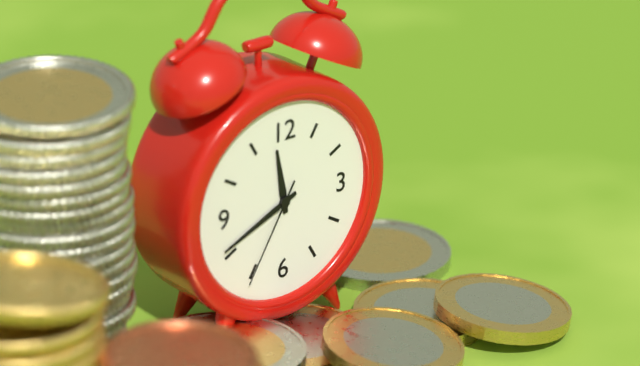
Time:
{"hour": 11, "minute": 41, "second": 35}
